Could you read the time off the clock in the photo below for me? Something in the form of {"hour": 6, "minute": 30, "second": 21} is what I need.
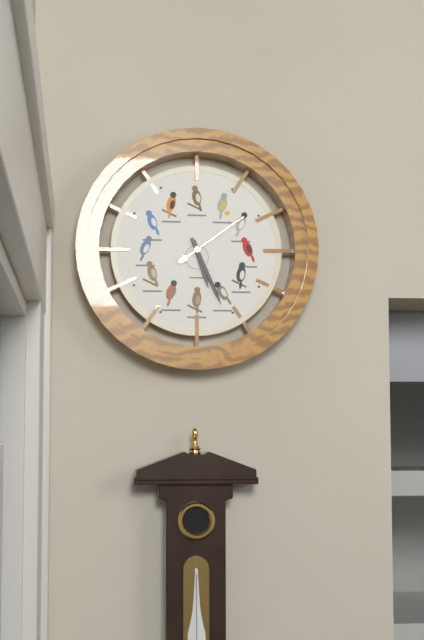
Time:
{"hour": 5, "minute": 26, "second": 9}
